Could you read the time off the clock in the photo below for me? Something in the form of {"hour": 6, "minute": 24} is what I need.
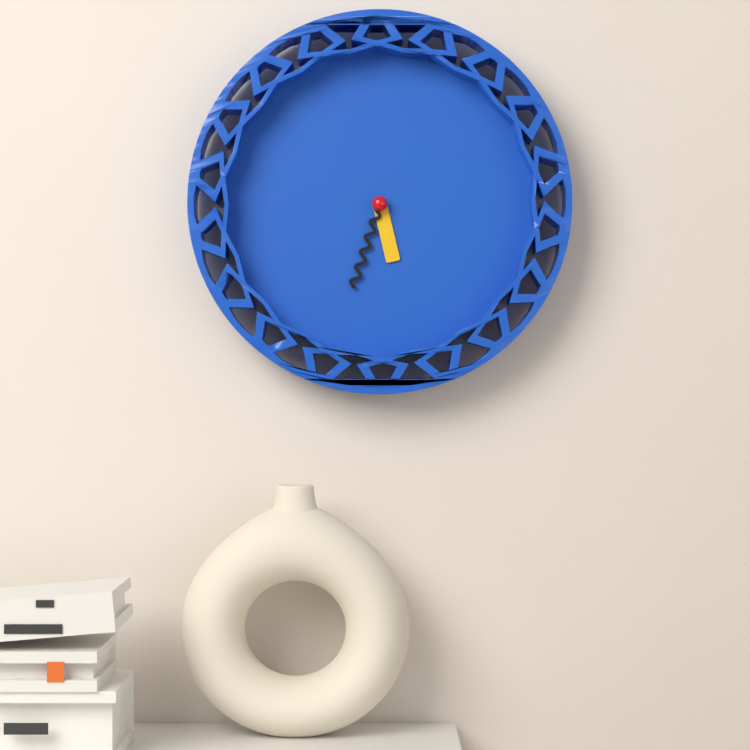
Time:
{"hour": 5, "minute": 33}
